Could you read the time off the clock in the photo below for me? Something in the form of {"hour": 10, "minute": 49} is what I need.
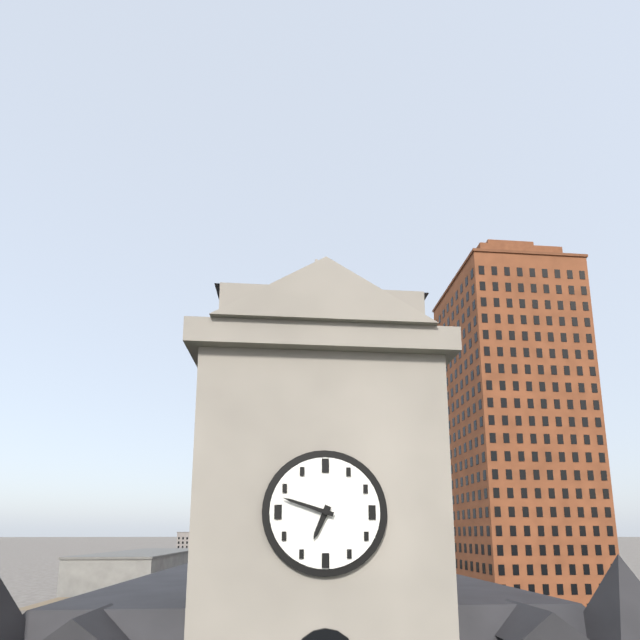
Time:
{"hour": 6, "minute": 48}
